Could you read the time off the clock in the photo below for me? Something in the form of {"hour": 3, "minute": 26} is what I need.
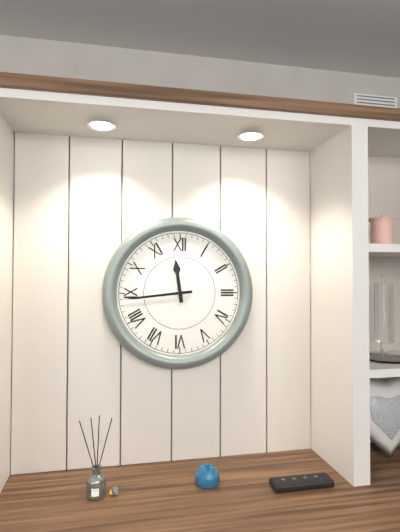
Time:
{"hour": 11, "minute": 44}
